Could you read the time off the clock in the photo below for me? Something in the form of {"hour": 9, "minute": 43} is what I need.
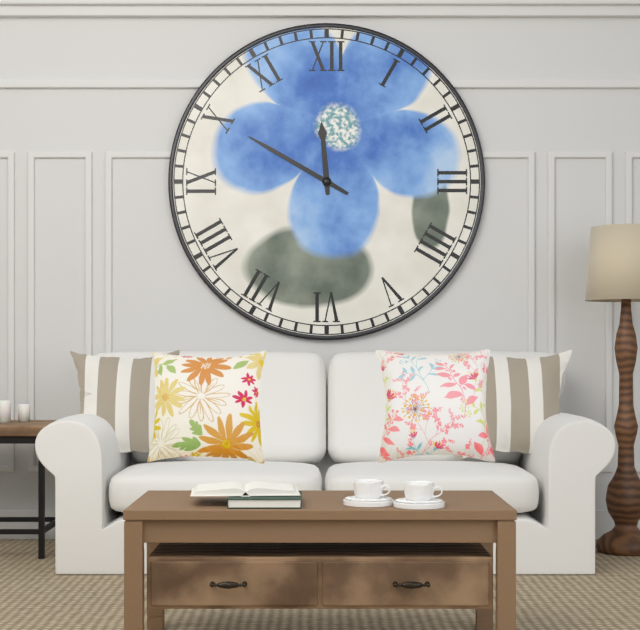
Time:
{"hour": 11, "minute": 50}
